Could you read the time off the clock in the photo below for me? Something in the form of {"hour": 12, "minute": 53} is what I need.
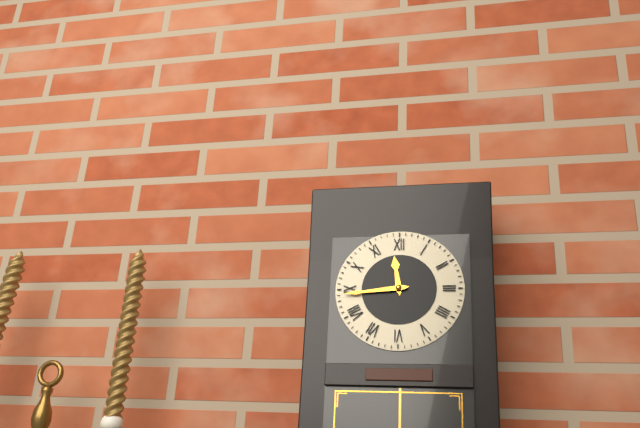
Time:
{"hour": 11, "minute": 44}
